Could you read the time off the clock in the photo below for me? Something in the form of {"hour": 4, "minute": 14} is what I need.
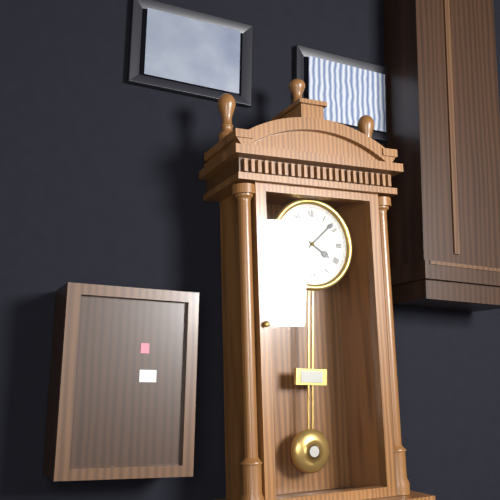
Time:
{"hour": 4, "minute": 8}
